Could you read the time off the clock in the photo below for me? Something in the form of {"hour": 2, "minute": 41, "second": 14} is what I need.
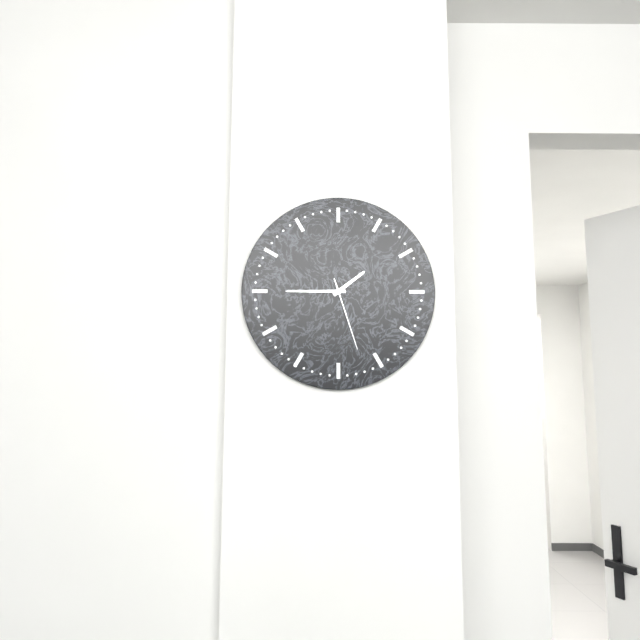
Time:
{"hour": 1, "minute": 45, "second": 27}
